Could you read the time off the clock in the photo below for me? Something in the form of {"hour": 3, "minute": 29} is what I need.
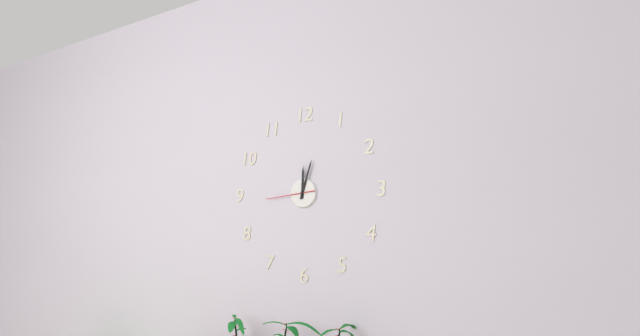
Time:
{"hour": 12, "minute": 3}
